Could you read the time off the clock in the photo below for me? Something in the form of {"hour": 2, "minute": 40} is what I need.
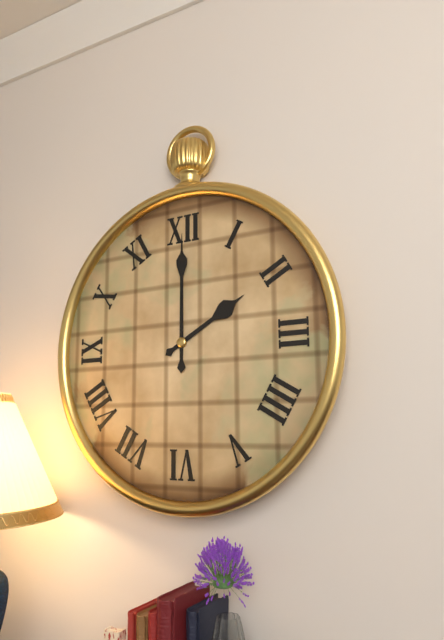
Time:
{"hour": 2, "minute": 0}
